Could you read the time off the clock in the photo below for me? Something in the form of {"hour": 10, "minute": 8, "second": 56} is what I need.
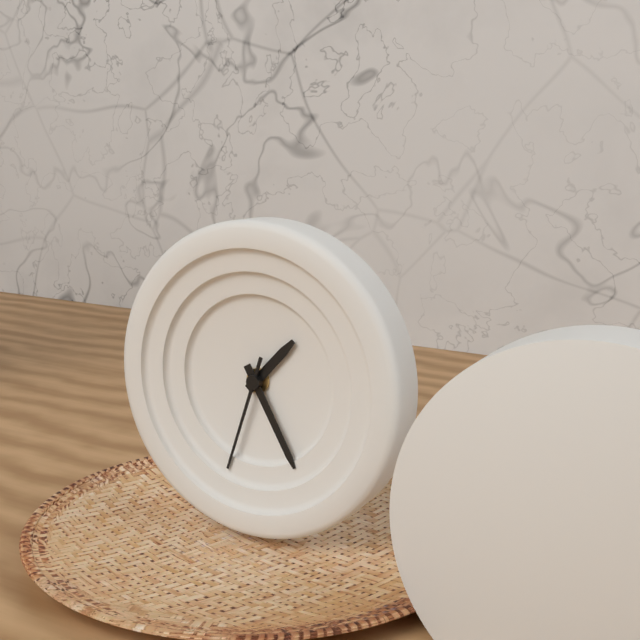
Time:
{"hour": 1, "minute": 25, "second": 33}
